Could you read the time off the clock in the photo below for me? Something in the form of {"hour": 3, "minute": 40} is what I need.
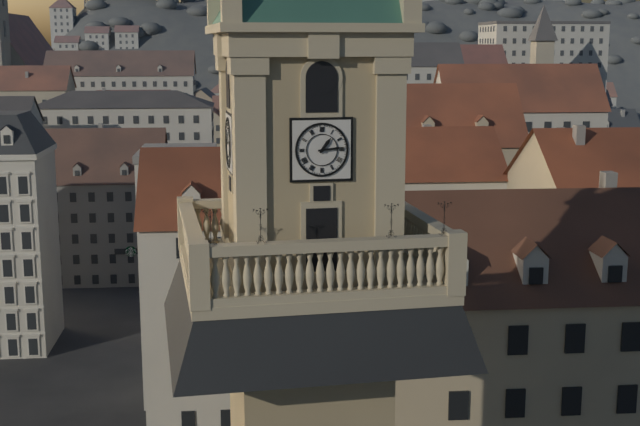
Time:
{"hour": 1, "minute": 14}
